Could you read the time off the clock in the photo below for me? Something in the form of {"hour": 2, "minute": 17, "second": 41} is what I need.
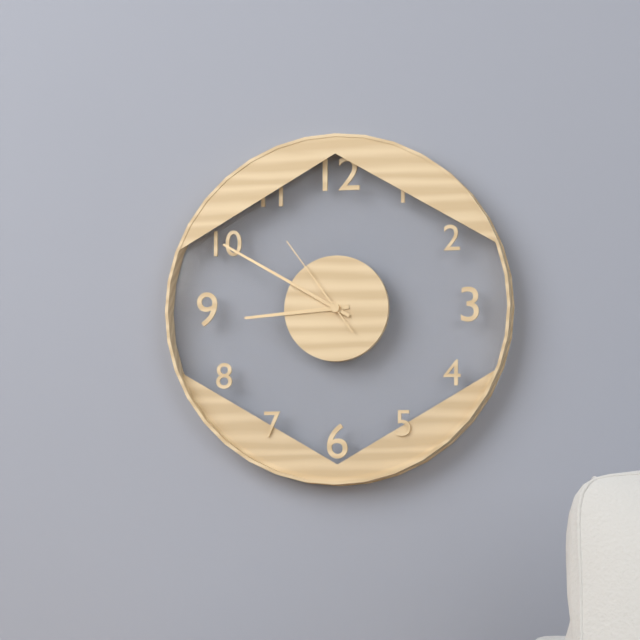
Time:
{"hour": 8, "minute": 50, "second": 54}
